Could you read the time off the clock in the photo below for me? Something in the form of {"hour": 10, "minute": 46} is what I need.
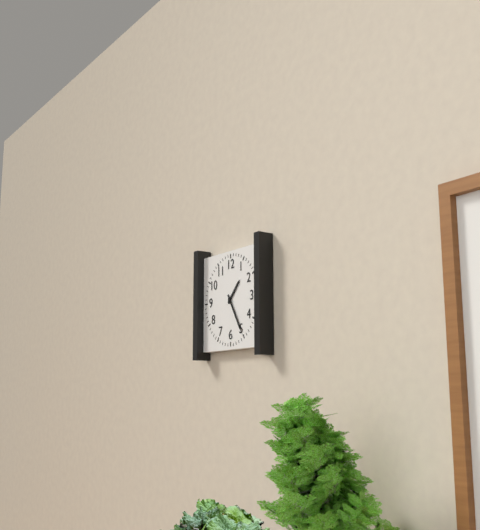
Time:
{"hour": 1, "minute": 25}
